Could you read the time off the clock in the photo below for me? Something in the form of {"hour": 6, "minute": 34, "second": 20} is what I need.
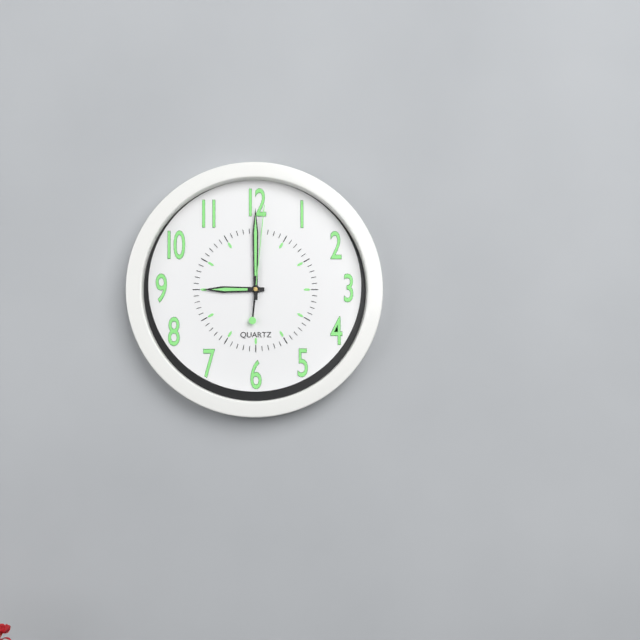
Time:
{"hour": 9, "minute": 0, "second": 1}
